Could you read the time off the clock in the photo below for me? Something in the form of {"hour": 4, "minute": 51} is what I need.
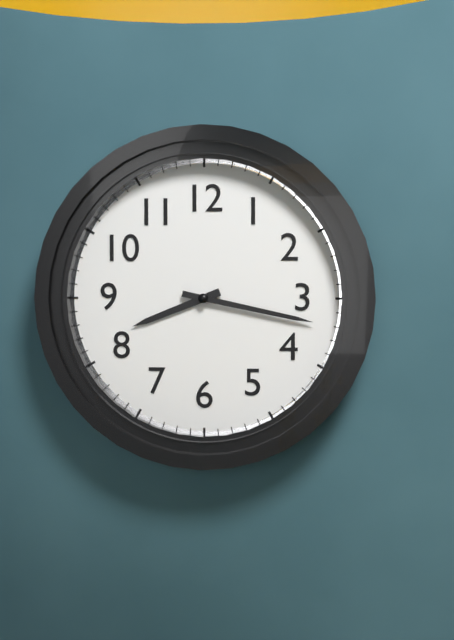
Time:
{"hour": 8, "minute": 17}
